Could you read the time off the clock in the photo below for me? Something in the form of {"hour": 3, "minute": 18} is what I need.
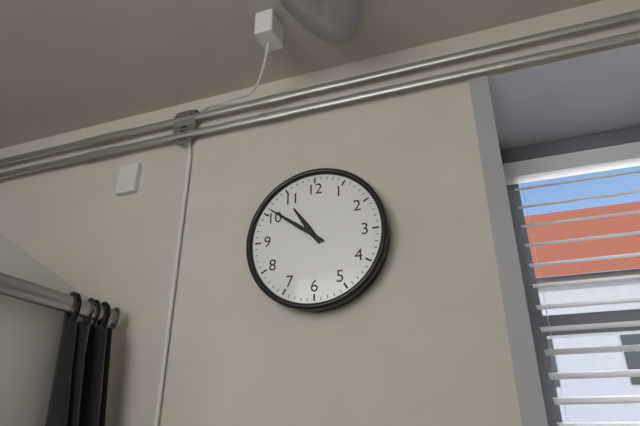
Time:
{"hour": 10, "minute": 51}
